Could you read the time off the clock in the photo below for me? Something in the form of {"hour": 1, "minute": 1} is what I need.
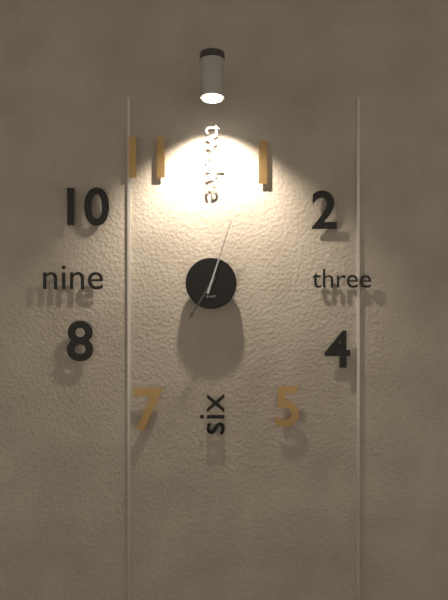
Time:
{"hour": 7, "minute": 3}
